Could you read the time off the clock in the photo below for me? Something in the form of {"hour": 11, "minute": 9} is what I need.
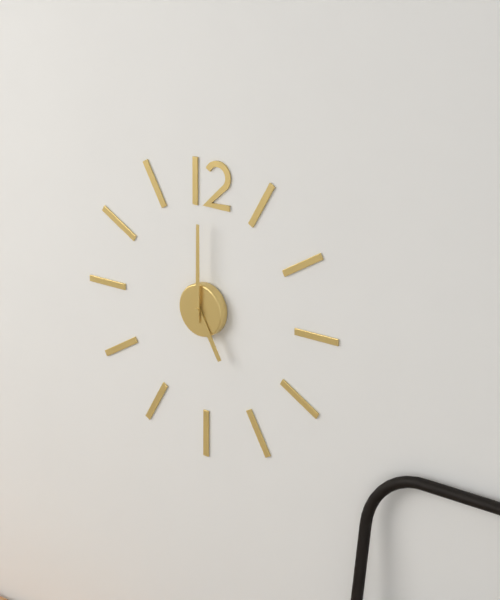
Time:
{"hour": 5, "minute": 0}
